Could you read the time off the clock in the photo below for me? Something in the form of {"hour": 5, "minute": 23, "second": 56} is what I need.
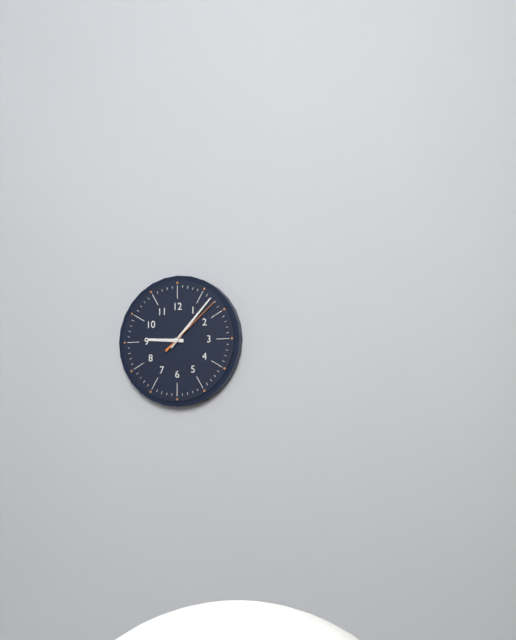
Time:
{"hour": 9, "minute": 7, "second": 8}
